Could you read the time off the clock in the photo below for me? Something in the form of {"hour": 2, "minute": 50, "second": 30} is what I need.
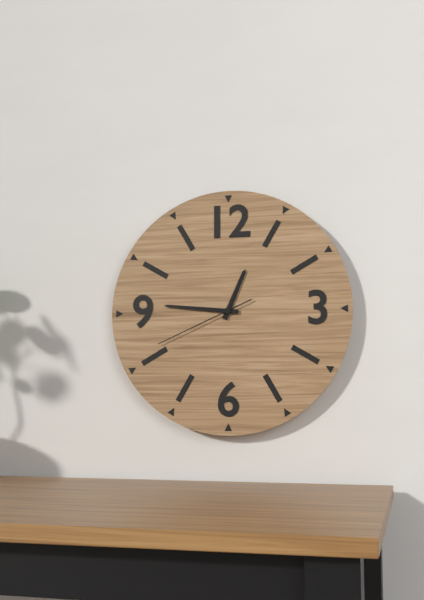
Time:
{"hour": 12, "minute": 46, "second": 41}
